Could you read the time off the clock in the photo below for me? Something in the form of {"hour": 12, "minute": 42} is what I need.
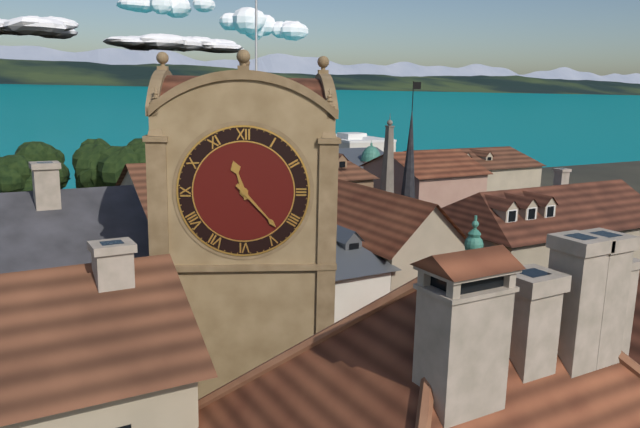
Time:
{"hour": 11, "minute": 23}
